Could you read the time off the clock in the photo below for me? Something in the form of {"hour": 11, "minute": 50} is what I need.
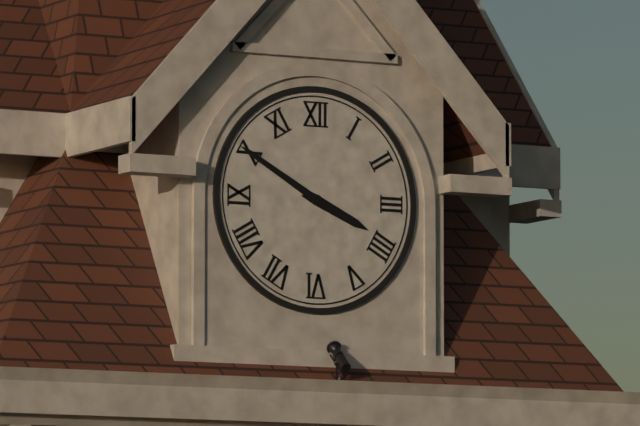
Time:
{"hour": 3, "minute": 50}
